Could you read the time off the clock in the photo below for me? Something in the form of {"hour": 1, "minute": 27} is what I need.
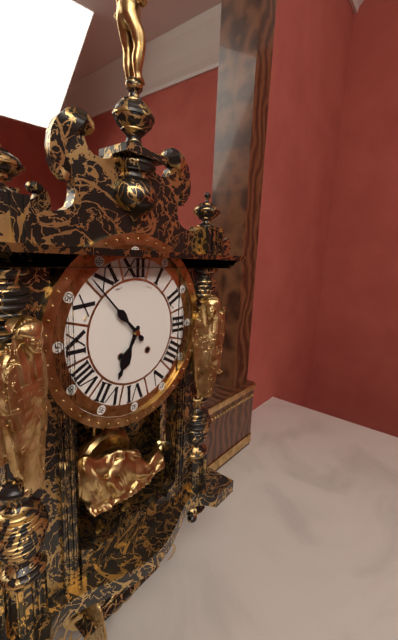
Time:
{"hour": 6, "minute": 53}
